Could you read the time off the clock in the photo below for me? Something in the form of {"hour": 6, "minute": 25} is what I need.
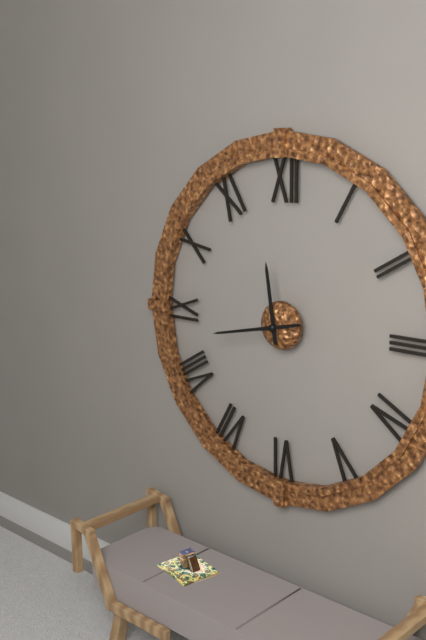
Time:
{"hour": 11, "minute": 43}
